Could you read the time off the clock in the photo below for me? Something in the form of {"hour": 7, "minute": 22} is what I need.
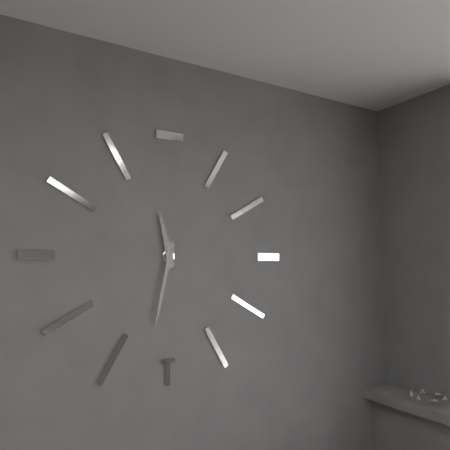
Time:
{"hour": 11, "minute": 32}
